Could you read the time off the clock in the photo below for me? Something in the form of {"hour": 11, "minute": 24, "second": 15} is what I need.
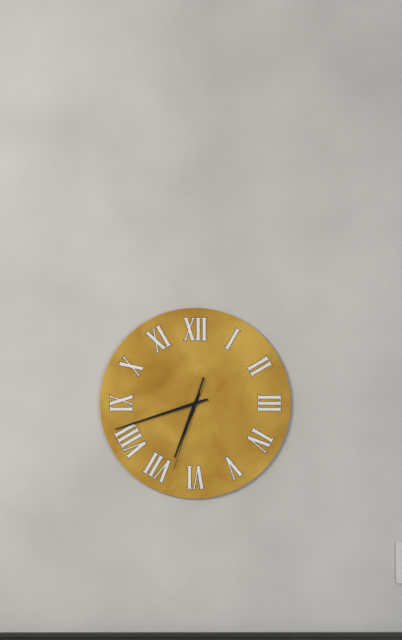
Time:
{"hour": 6, "minute": 42, "second": 33}
